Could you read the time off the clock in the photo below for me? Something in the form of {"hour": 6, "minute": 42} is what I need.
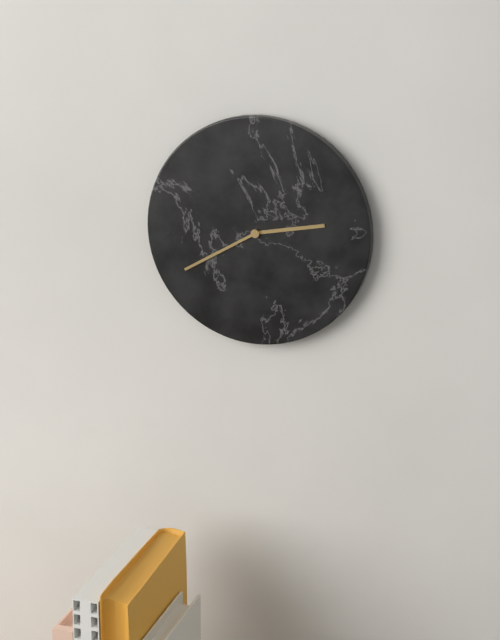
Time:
{"hour": 2, "minute": 40}
